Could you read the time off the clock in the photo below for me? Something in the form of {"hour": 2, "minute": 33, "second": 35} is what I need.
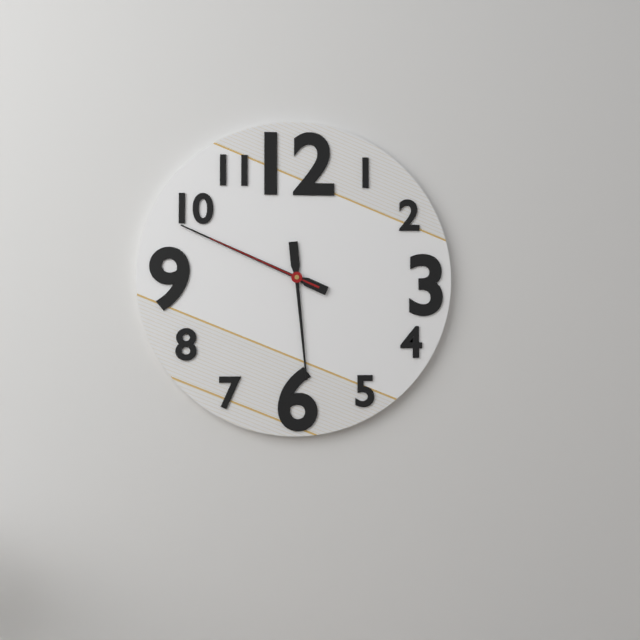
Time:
{"hour": 5, "minute": 49, "second": 49}
